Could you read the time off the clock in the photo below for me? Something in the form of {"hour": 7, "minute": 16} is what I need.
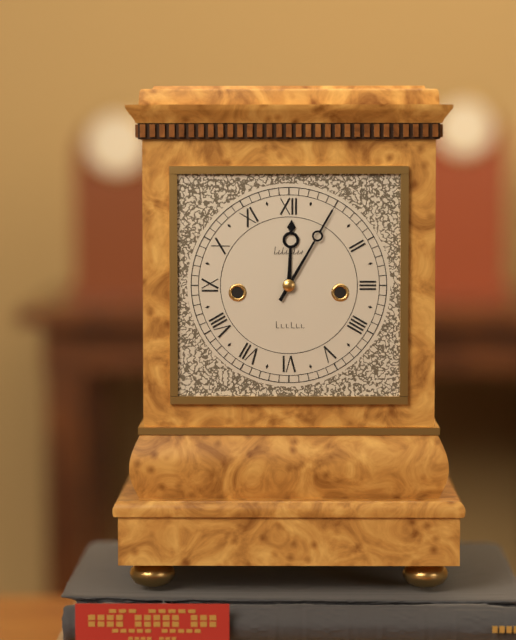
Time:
{"hour": 12, "minute": 5}
